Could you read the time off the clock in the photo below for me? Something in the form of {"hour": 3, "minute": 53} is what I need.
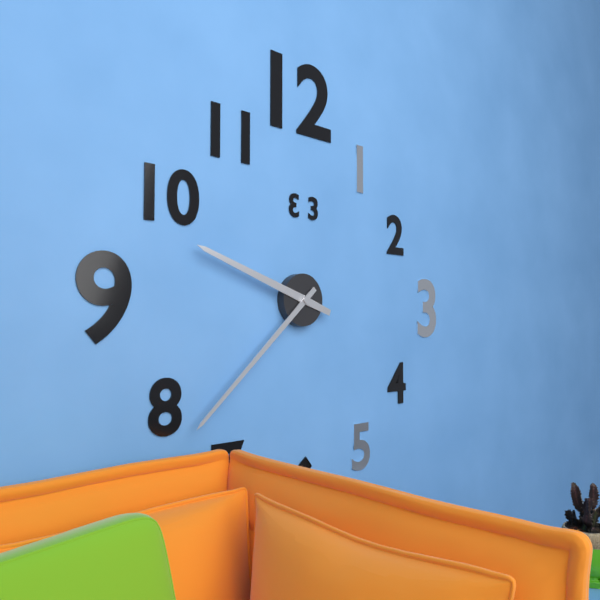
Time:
{"hour": 9, "minute": 38}
